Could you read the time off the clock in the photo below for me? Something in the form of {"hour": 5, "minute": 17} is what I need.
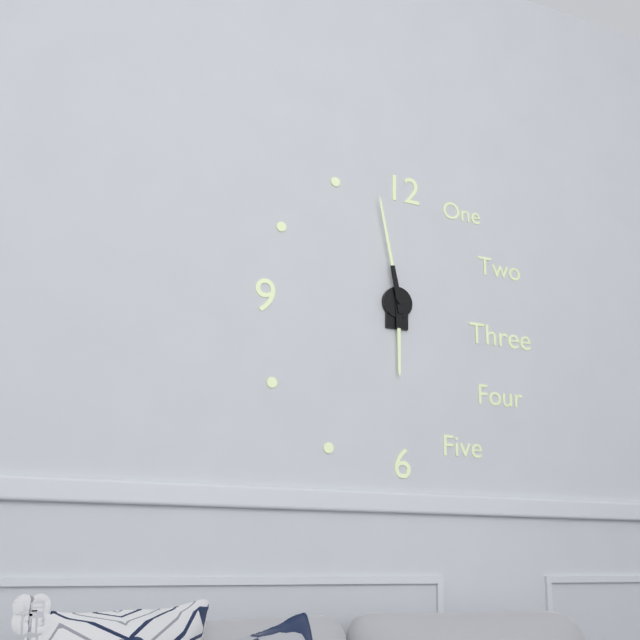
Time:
{"hour": 5, "minute": 58}
